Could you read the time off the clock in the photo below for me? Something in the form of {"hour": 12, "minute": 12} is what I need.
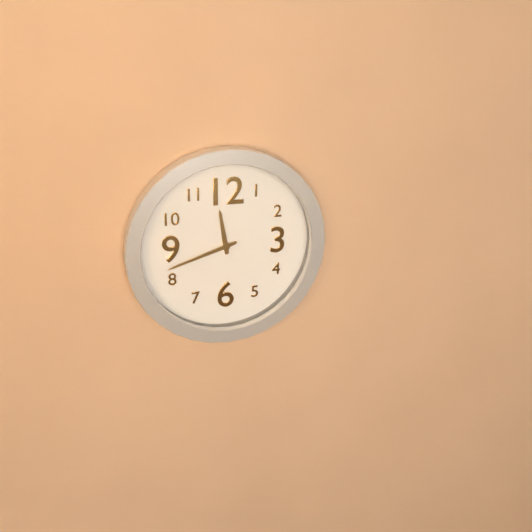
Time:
{"hour": 11, "minute": 42}
